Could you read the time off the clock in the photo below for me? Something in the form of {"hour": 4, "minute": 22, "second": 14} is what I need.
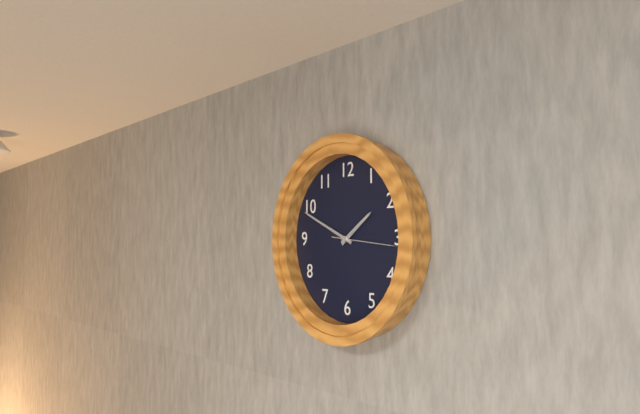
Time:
{"hour": 1, "minute": 49, "second": 16}
